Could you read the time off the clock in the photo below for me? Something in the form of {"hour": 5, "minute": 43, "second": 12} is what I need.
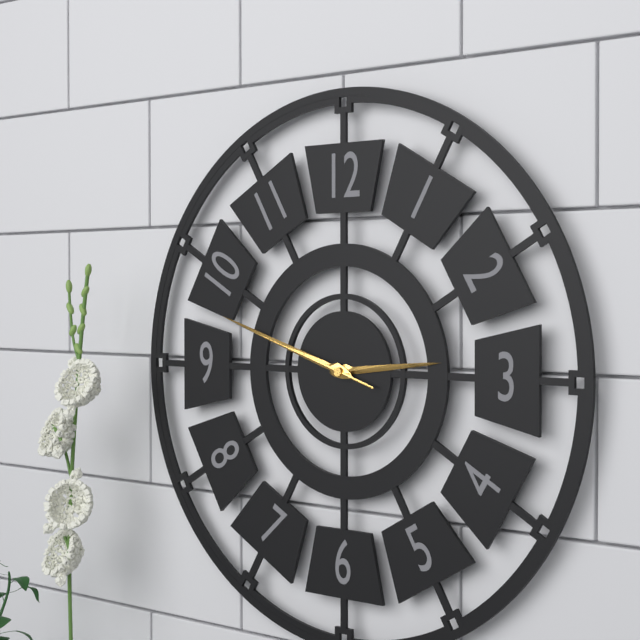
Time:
{"hour": 2, "minute": 48, "second": 48}
